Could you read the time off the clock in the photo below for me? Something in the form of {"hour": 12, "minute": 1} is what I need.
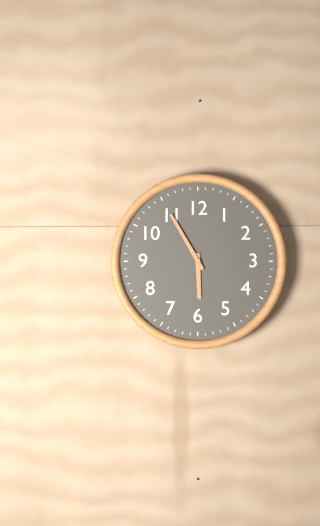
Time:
{"hour": 5, "minute": 55}
